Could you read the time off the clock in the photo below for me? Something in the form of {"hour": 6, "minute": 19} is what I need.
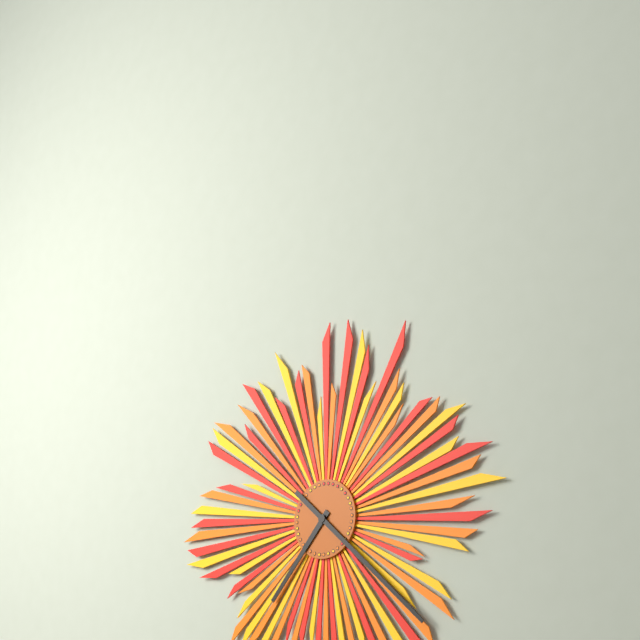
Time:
{"hour": 7, "minute": 22}
